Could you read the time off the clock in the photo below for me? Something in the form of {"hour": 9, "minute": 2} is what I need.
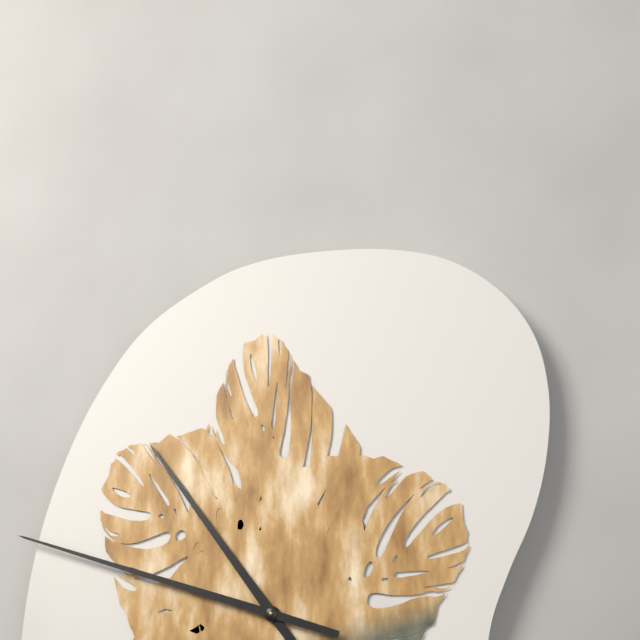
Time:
{"hour": 10, "minute": 48}
